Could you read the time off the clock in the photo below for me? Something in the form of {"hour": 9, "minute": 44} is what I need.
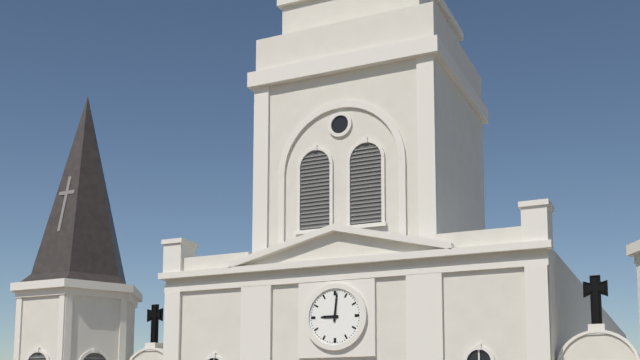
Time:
{"hour": 9, "minute": 1}
